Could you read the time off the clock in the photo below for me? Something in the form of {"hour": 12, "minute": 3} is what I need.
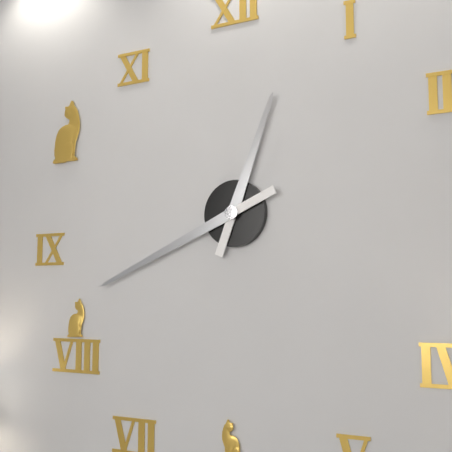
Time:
{"hour": 12, "minute": 41}
